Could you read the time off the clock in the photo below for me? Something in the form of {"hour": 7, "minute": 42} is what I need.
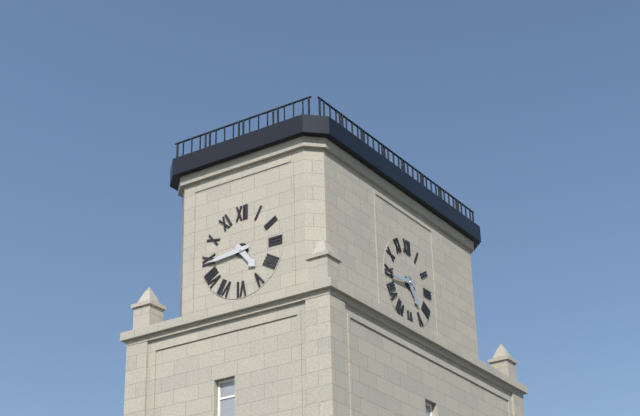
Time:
{"hour": 4, "minute": 44}
